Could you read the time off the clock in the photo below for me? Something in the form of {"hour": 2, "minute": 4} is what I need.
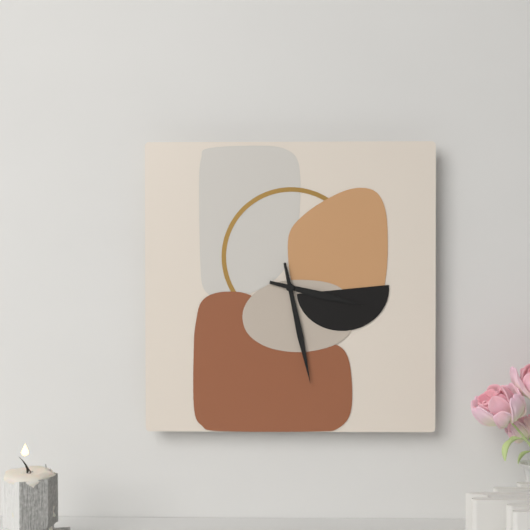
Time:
{"hour": 3, "minute": 28}
